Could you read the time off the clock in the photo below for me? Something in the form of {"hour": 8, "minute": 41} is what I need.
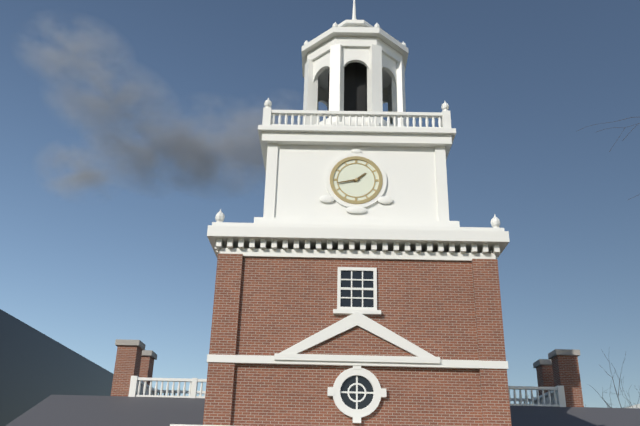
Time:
{"hour": 1, "minute": 43}
